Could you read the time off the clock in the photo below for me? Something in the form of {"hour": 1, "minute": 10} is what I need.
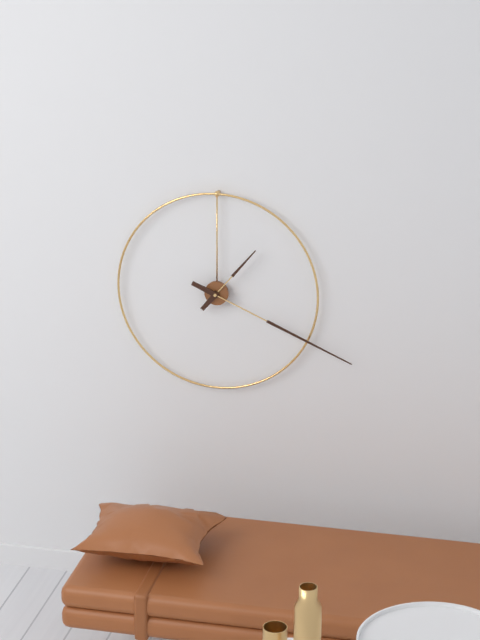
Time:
{"hour": 1, "minute": 19}
